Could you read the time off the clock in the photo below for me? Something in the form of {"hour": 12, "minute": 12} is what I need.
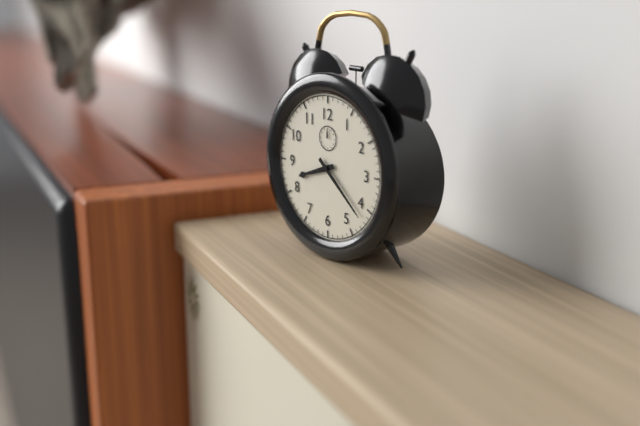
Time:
{"hour": 8, "minute": 22}
